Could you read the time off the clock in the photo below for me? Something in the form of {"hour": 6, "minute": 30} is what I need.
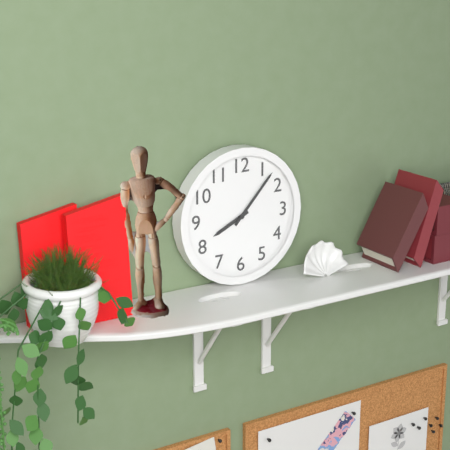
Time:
{"hour": 8, "minute": 7}
